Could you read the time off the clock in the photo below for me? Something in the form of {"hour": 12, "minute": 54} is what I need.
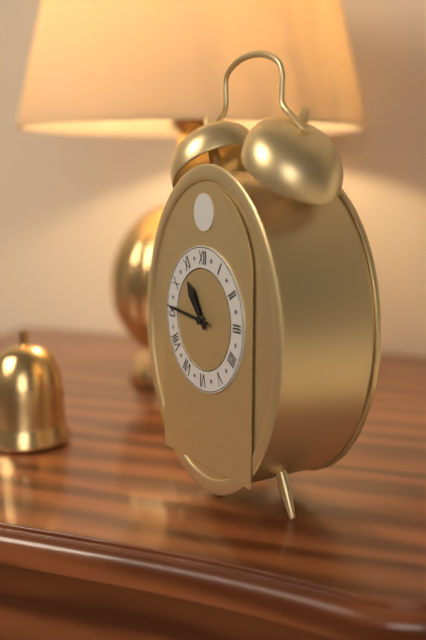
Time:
{"hour": 10, "minute": 46}
